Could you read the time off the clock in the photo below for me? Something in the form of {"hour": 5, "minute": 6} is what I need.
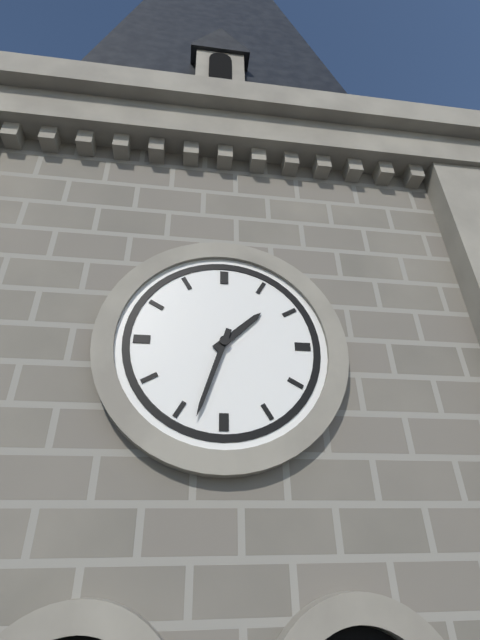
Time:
{"hour": 1, "minute": 33}
